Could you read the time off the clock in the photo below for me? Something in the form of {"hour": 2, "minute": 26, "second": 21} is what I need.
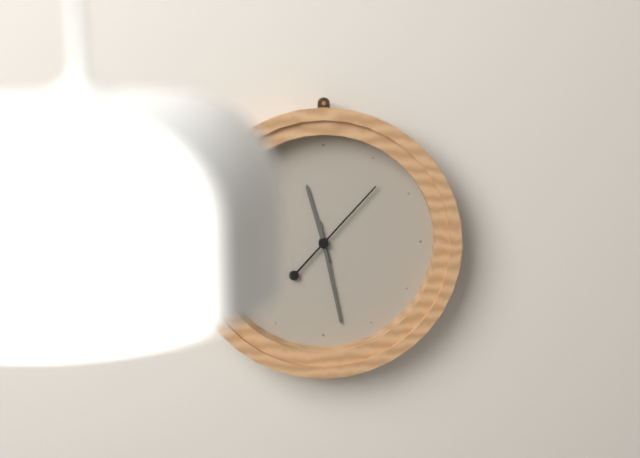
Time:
{"hour": 11, "minute": 28, "second": 7}
